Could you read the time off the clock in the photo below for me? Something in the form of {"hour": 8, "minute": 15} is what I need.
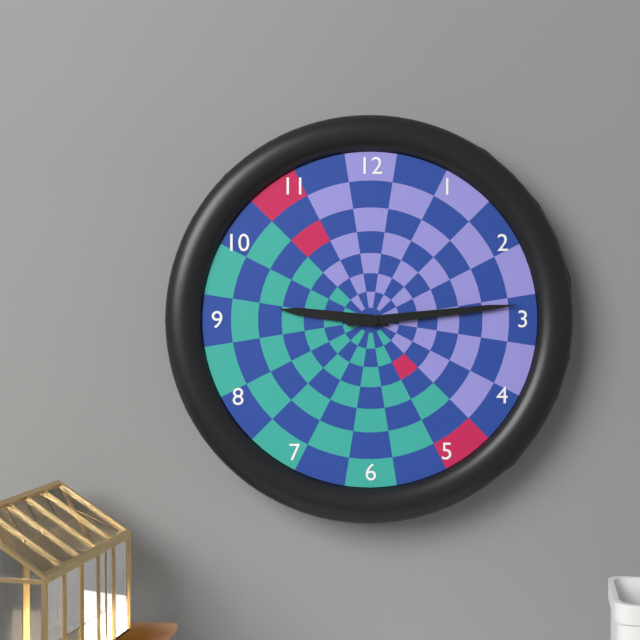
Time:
{"hour": 9, "minute": 14}
